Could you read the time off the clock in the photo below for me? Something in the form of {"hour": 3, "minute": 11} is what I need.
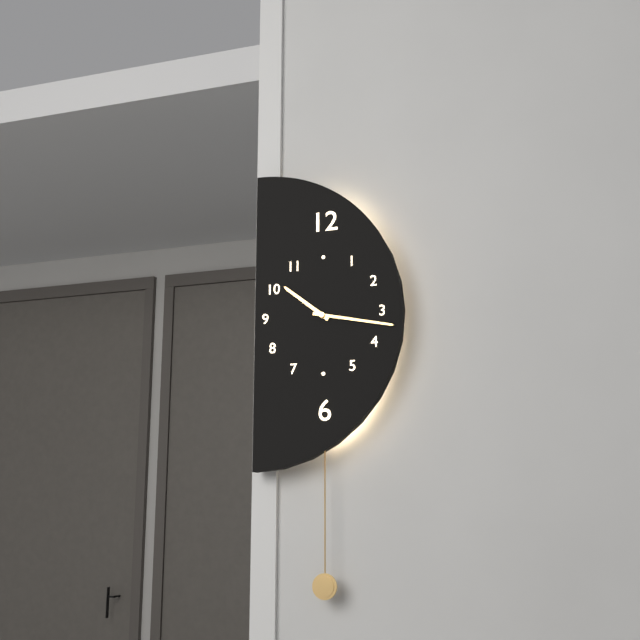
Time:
{"hour": 10, "minute": 17}
